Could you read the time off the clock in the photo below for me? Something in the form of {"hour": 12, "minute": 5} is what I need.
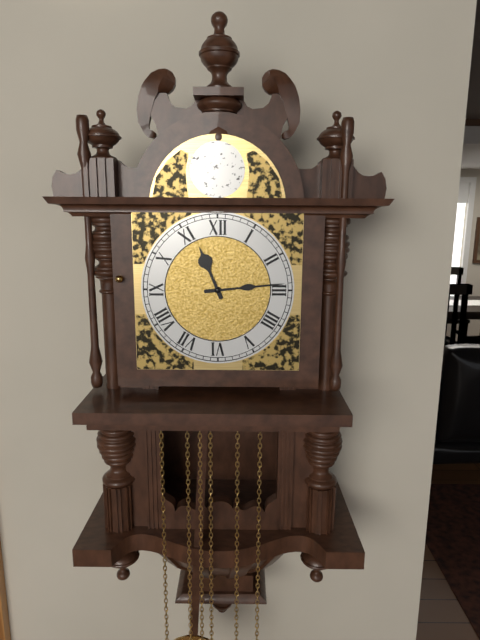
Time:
{"hour": 11, "minute": 14}
